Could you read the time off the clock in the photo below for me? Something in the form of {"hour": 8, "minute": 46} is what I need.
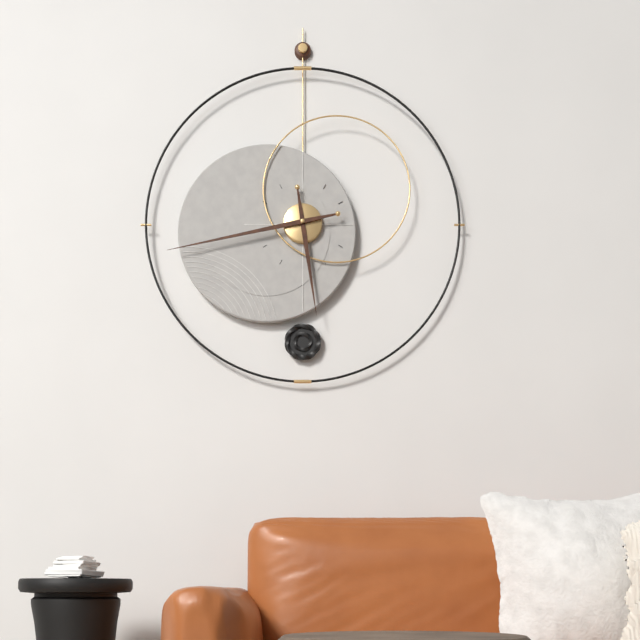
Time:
{"hour": 5, "minute": 43}
